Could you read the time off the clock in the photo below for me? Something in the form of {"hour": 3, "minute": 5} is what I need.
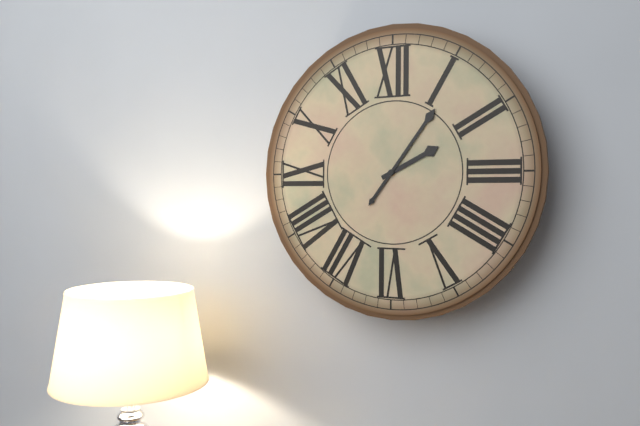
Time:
{"hour": 2, "minute": 6}
